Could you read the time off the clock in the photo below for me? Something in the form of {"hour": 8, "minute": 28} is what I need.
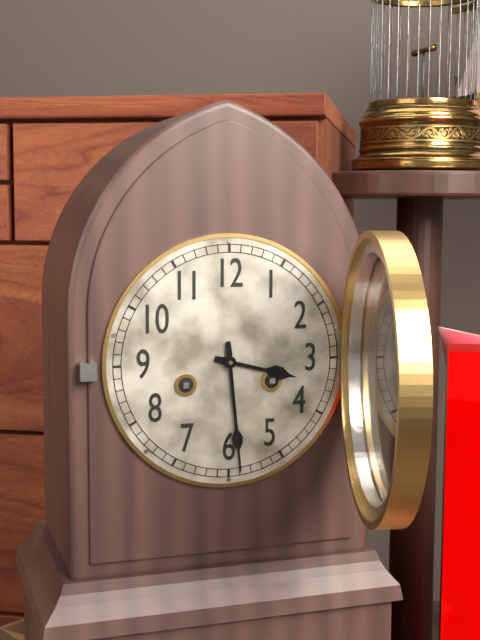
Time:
{"hour": 3, "minute": 29}
